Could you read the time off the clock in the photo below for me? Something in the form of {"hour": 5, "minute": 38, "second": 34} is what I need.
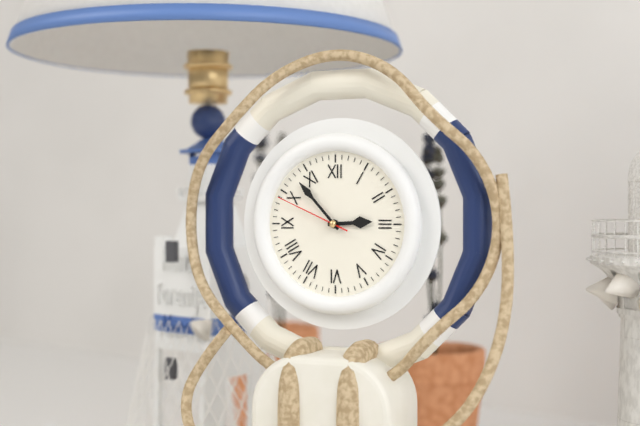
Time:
{"hour": 2, "minute": 53, "second": 49}
